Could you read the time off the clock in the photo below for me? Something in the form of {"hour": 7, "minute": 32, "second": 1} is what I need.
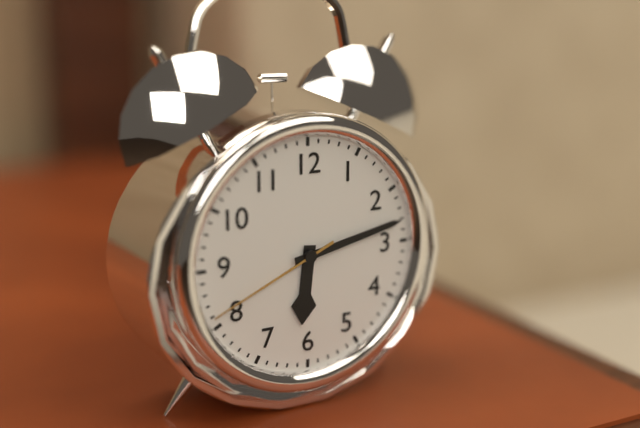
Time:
{"hour": 6, "minute": 13, "second": 41}
